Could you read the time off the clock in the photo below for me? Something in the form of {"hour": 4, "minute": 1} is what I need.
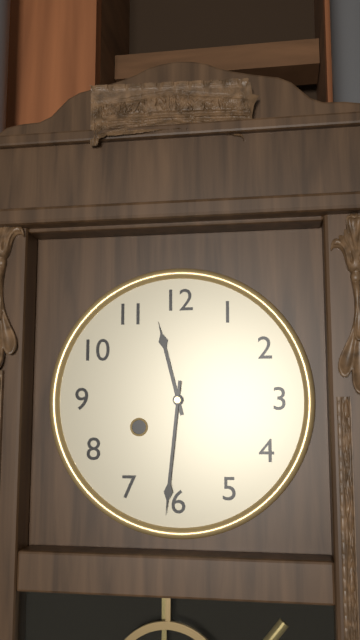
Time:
{"hour": 11, "minute": 31}
